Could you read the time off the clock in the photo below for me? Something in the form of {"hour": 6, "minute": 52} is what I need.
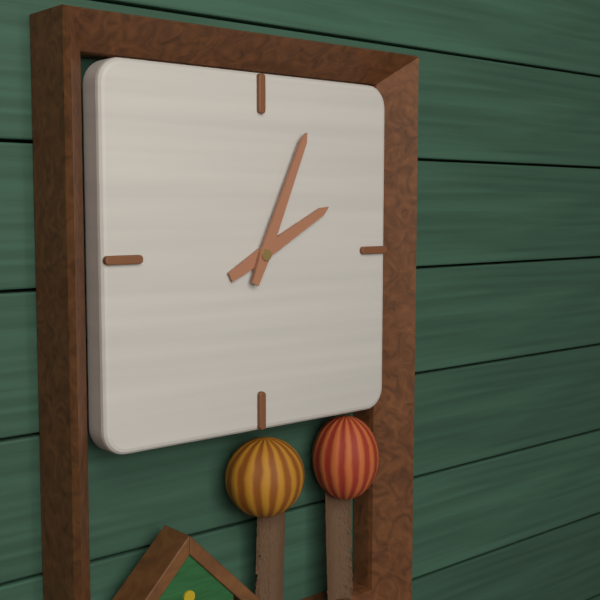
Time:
{"hour": 2, "minute": 4}
